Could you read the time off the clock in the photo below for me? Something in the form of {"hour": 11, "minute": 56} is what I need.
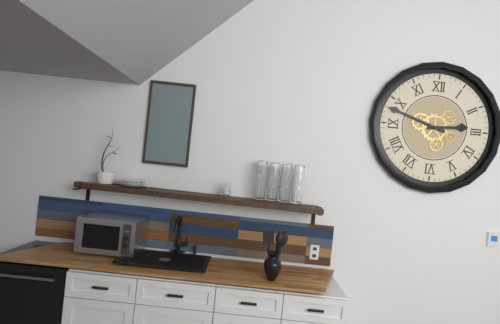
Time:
{"hour": 2, "minute": 48}
